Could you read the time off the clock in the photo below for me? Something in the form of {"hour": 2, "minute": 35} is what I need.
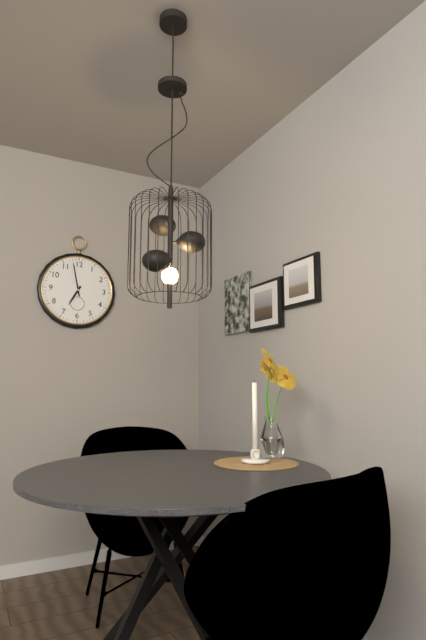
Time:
{"hour": 6, "minute": 58}
